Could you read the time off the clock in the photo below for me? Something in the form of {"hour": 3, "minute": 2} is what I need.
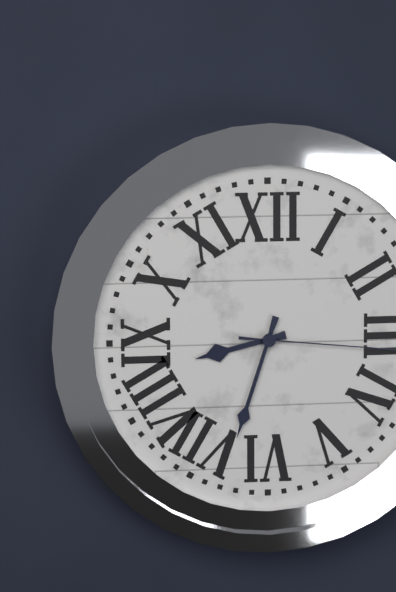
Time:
{"hour": 8, "minute": 33}
